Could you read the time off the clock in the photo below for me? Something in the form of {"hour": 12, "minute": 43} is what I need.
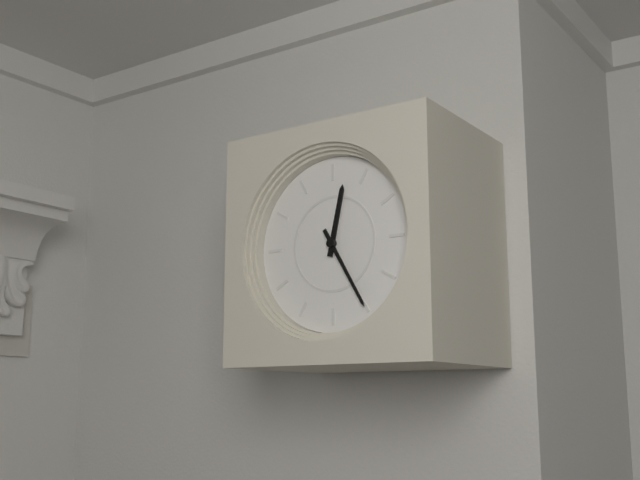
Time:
{"hour": 12, "minute": 25}
